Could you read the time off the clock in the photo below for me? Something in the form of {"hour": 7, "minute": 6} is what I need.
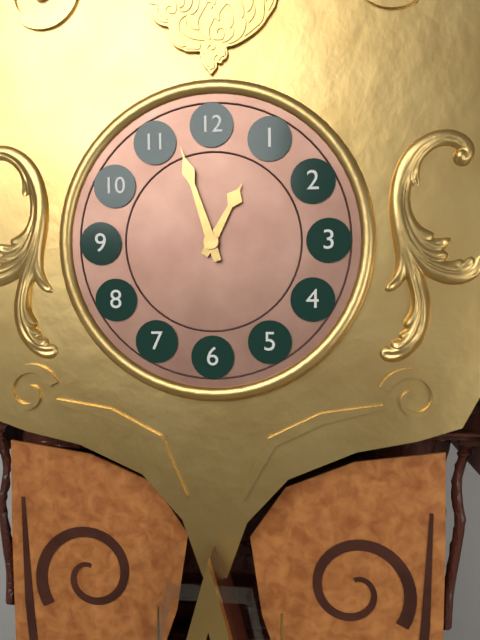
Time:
{"hour": 12, "minute": 57}
